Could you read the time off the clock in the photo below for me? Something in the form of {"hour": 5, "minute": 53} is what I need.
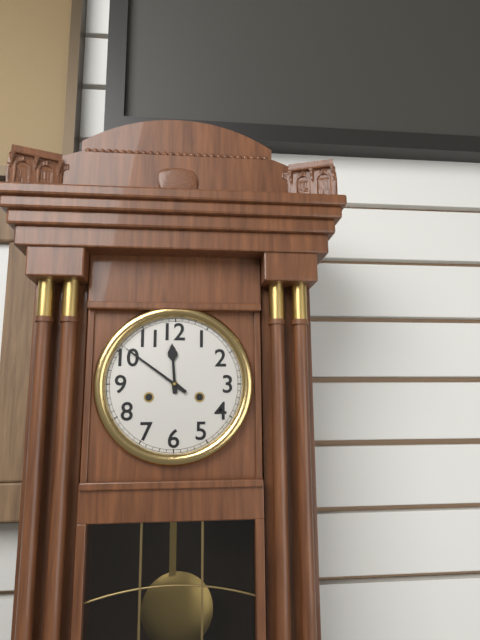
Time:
{"hour": 11, "minute": 51}
